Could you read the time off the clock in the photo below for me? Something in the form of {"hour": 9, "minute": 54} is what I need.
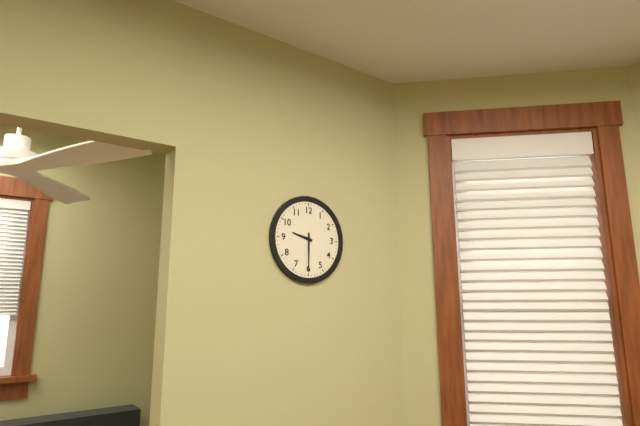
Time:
{"hour": 9, "minute": 30}
